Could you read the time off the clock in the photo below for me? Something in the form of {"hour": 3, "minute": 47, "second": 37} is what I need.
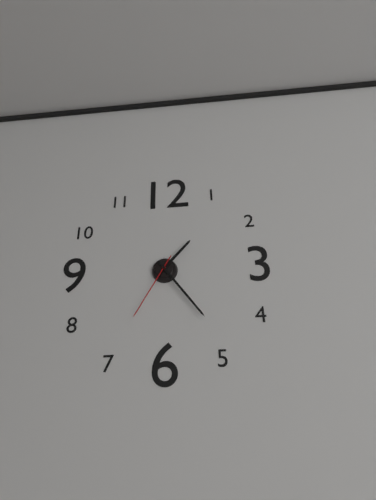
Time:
{"hour": 1, "minute": 24, "second": 35}
